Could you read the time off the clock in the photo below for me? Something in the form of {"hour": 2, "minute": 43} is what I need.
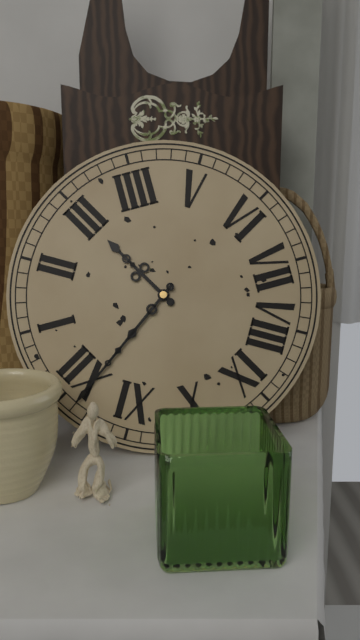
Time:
{"hour": 2, "minute": 59}
